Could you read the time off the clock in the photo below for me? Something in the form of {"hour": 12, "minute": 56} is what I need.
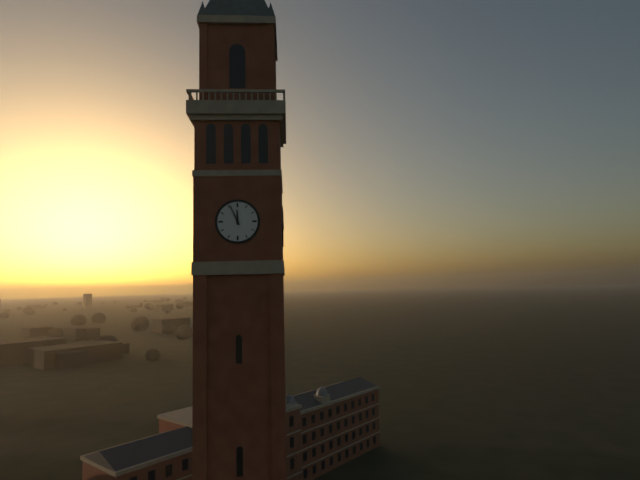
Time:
{"hour": 11, "minute": 56}
